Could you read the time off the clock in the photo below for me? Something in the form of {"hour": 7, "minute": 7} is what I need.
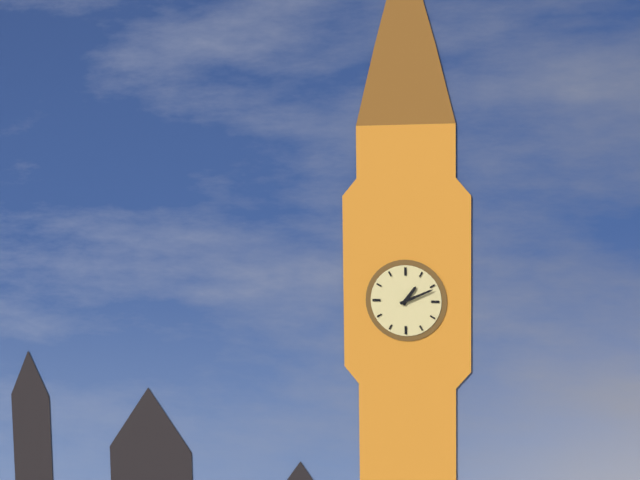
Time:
{"hour": 1, "minute": 11}
